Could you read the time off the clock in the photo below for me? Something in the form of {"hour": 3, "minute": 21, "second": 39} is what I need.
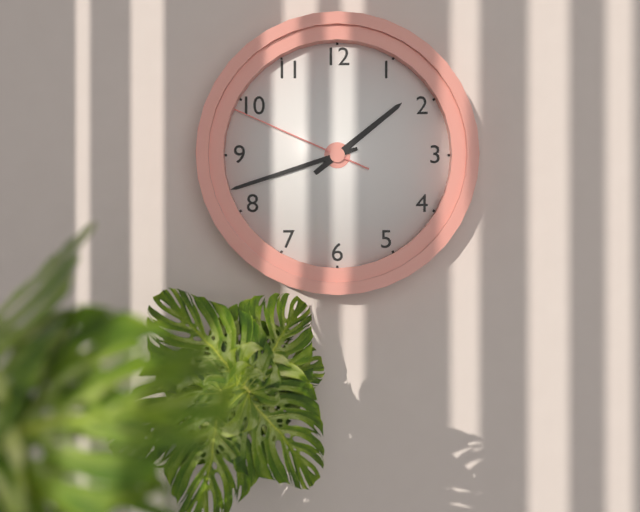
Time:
{"hour": 1, "minute": 42, "second": 49}
